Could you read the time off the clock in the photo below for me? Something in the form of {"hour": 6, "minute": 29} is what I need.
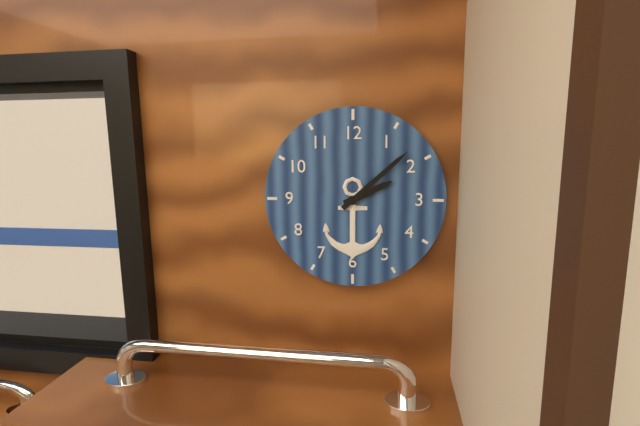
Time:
{"hour": 2, "minute": 8}
